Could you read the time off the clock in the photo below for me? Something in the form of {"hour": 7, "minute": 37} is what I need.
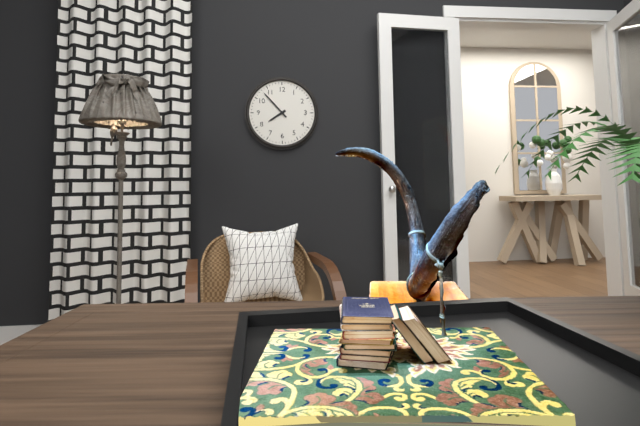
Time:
{"hour": 7, "minute": 53}
